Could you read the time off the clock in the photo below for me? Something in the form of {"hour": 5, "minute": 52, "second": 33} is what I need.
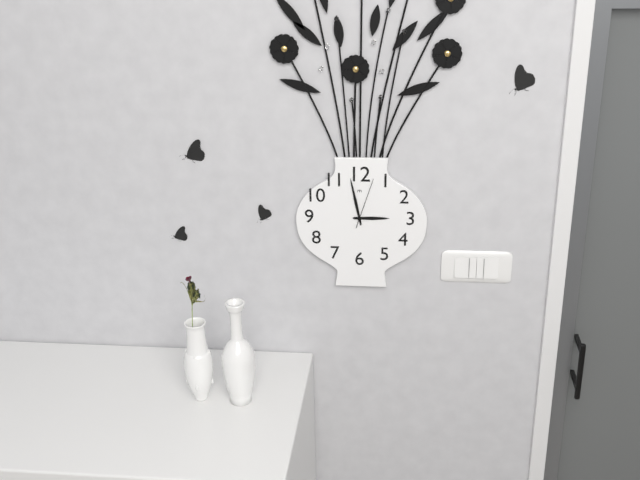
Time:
{"hour": 2, "minute": 58, "second": 3}
